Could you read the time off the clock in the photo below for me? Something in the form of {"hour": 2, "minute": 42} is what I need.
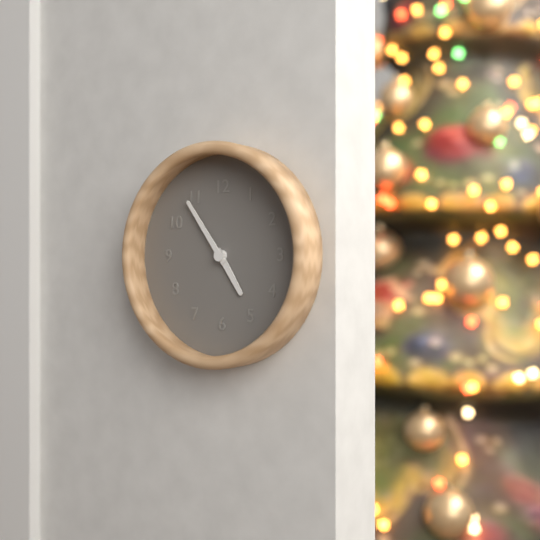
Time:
{"hour": 4, "minute": 54}
